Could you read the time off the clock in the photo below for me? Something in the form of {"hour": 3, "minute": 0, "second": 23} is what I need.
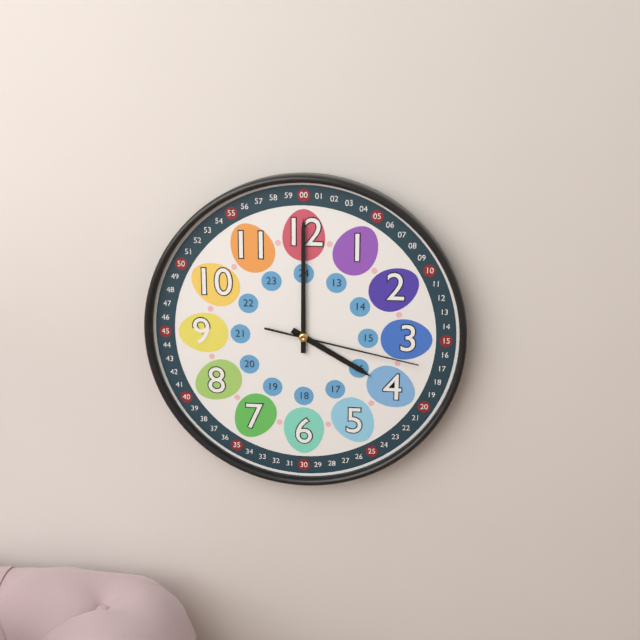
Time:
{"hour": 4, "minute": 0, "second": 17}
